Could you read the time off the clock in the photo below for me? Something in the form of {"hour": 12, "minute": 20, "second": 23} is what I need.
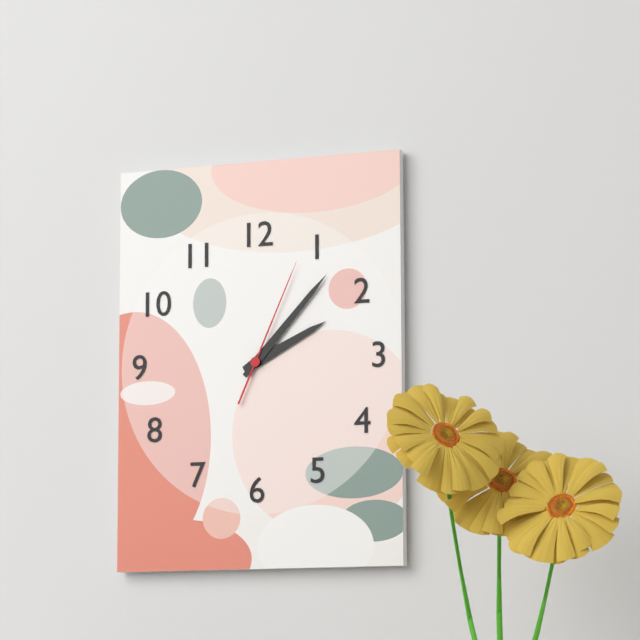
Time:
{"hour": 2, "minute": 7, "second": 4}
